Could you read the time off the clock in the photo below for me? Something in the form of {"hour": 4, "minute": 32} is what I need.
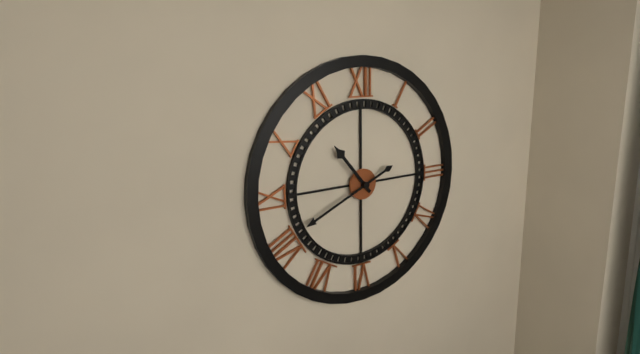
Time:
{"hour": 10, "minute": 41}
